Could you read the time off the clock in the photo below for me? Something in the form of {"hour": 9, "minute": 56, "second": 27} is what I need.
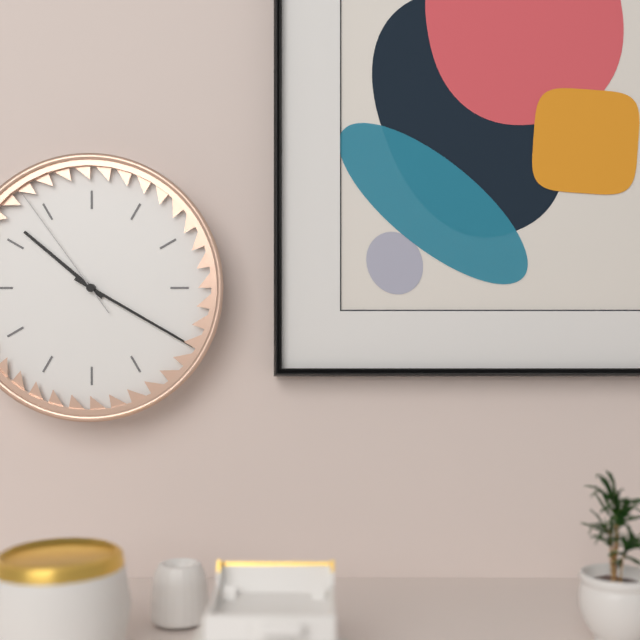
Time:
{"hour": 10, "minute": 20, "second": 54}
